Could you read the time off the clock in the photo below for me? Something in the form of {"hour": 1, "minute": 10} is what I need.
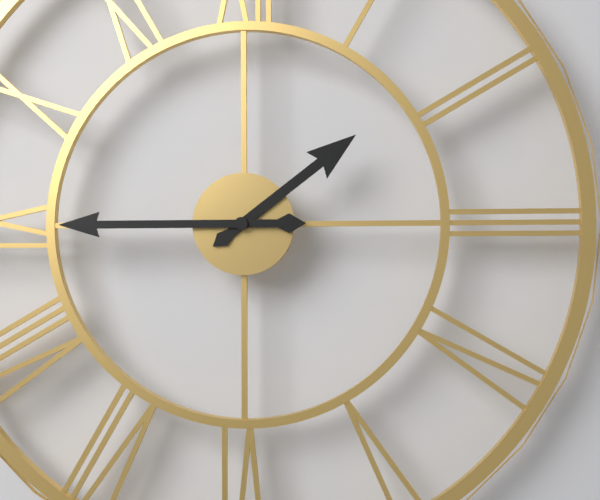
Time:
{"hour": 1, "minute": 45}
